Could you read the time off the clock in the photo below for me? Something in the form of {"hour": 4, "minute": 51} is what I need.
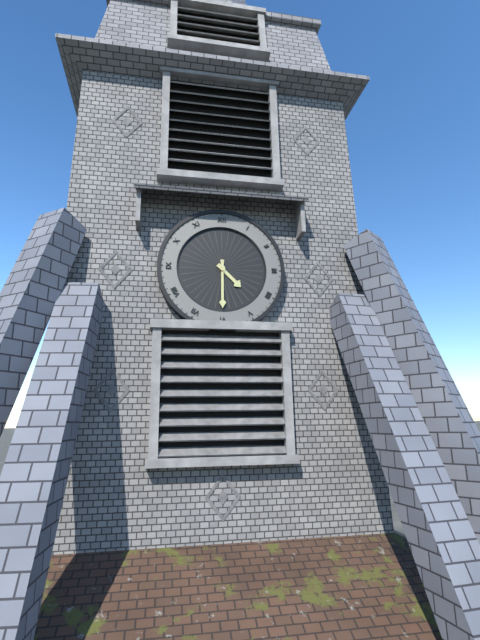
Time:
{"hour": 4, "minute": 30}
